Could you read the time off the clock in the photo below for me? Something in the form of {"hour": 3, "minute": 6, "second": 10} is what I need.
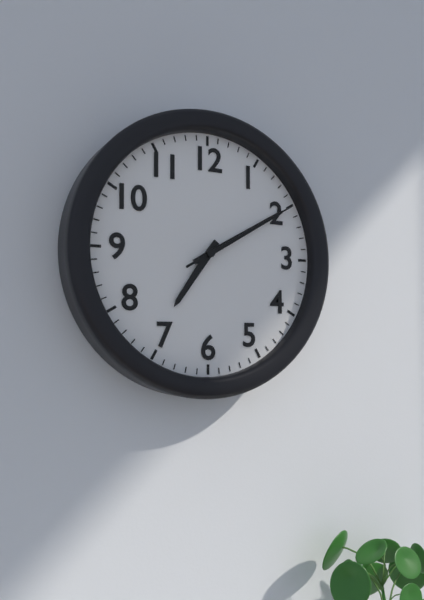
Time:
{"hour": 7, "minute": 10, "second": 10}
